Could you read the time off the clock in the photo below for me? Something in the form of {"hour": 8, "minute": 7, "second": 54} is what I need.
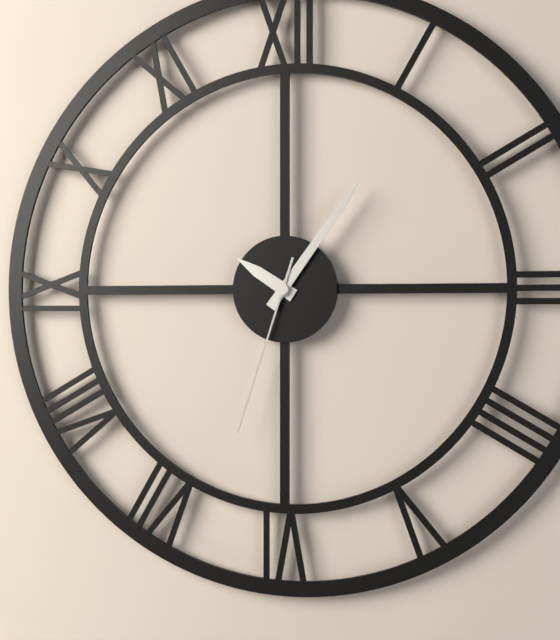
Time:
{"hour": 10, "minute": 6, "second": 33}
